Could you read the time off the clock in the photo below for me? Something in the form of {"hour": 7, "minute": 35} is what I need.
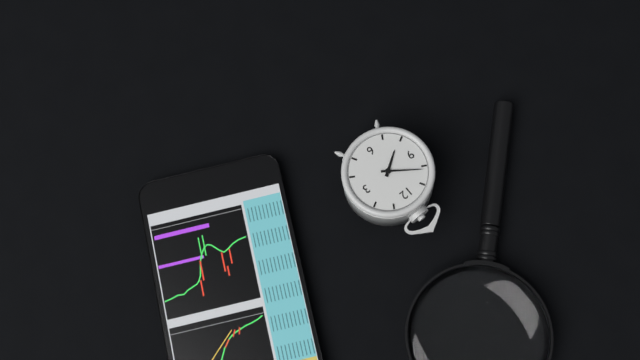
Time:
{"hour": 7, "minute": 51}
